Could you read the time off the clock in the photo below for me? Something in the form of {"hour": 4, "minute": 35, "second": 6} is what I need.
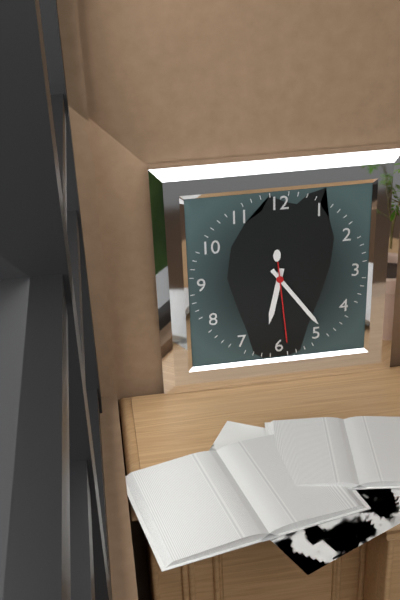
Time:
{"hour": 6, "minute": 24, "second": 29}
